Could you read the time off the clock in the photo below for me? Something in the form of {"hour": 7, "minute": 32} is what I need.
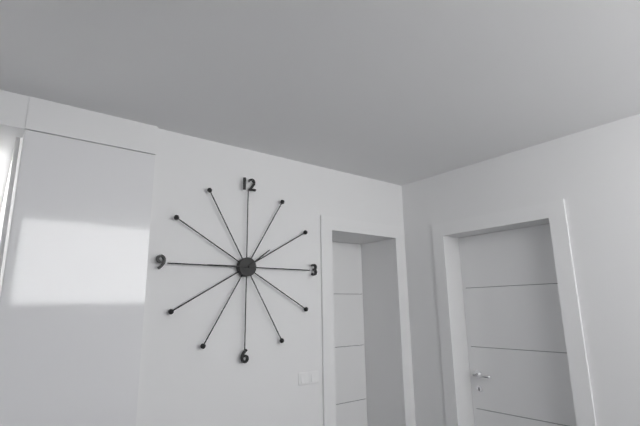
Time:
{"hour": 1, "minute": 45}
